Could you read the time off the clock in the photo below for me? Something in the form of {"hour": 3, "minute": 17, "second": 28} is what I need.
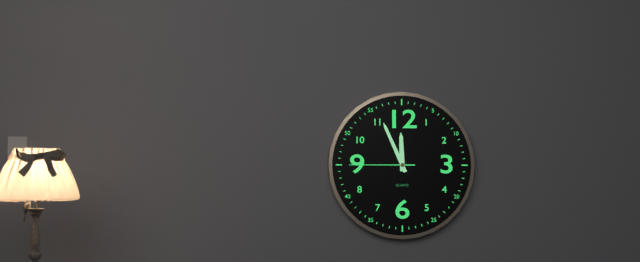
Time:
{"hour": 11, "minute": 56, "second": 45}
